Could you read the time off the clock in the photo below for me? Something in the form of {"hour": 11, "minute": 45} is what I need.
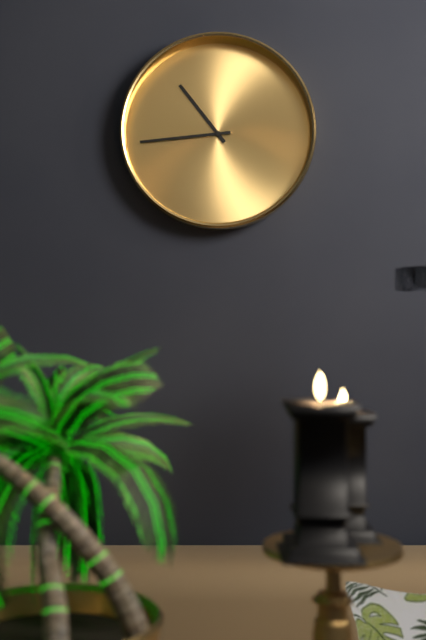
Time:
{"hour": 10, "minute": 44}
